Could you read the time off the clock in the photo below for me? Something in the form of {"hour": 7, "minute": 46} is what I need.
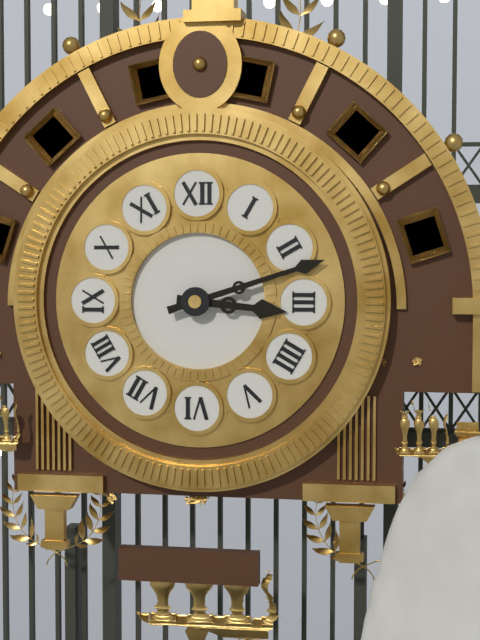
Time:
{"hour": 3, "minute": 12}
